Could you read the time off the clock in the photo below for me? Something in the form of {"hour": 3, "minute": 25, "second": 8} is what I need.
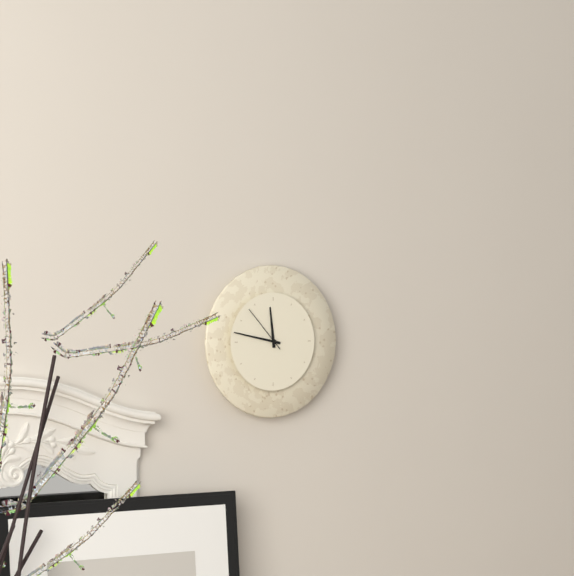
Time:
{"hour": 11, "minute": 47, "second": 53}
